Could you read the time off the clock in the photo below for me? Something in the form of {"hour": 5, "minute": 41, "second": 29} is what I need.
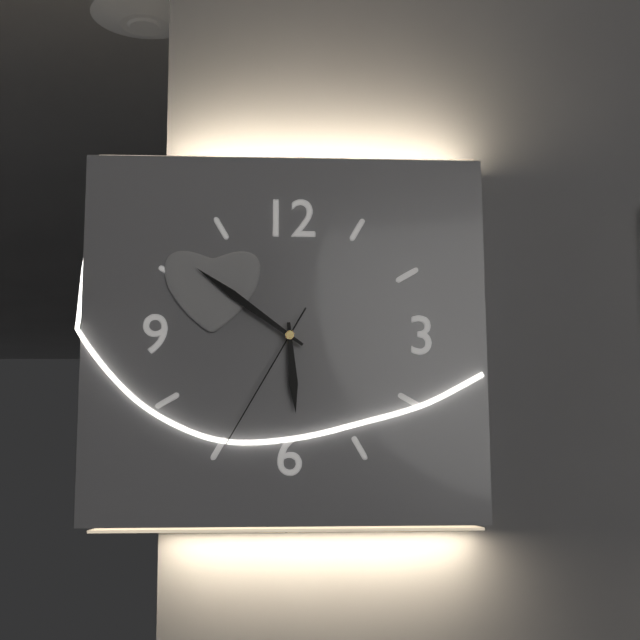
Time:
{"hour": 5, "minute": 51, "second": 35}
